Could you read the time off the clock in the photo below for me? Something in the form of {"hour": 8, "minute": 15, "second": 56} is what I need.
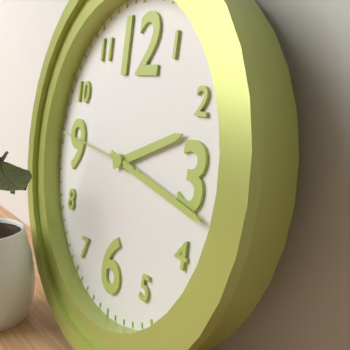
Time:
{"hour": 2, "minute": 17, "second": 46}
